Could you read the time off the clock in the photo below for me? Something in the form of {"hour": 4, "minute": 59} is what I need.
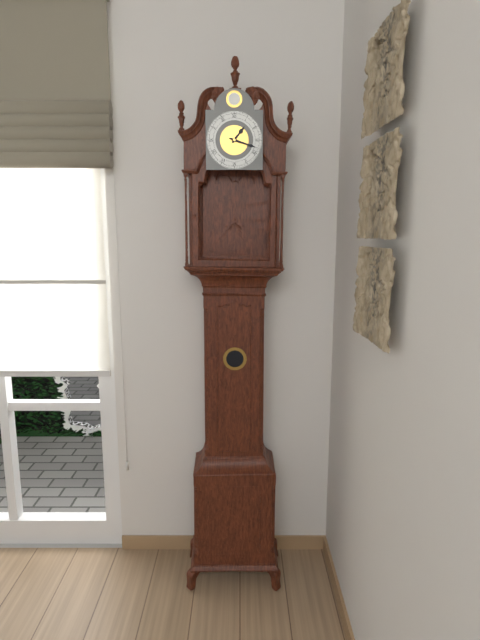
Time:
{"hour": 1, "minute": 18}
